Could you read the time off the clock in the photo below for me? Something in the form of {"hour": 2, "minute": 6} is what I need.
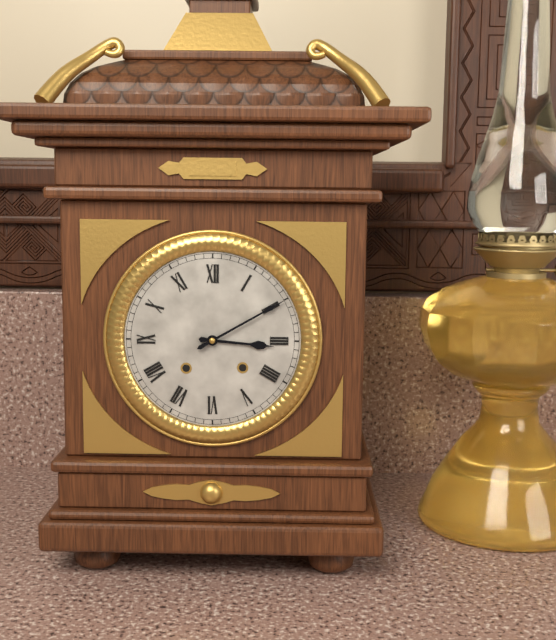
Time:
{"hour": 3, "minute": 10}
